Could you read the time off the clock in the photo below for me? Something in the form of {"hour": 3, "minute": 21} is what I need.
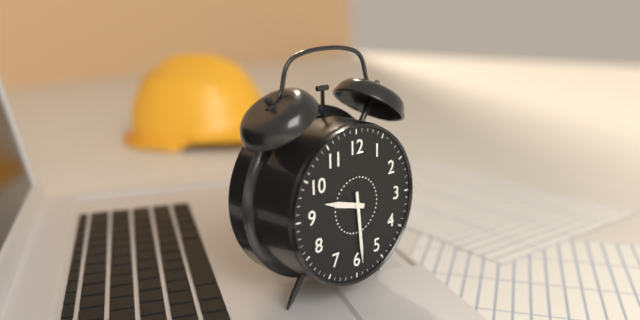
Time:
{"hour": 9, "minute": 29}
